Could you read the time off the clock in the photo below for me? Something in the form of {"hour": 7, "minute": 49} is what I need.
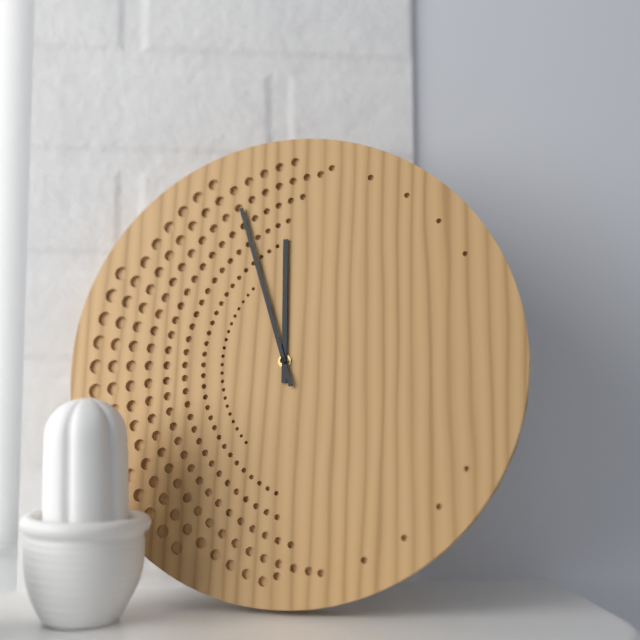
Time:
{"hour": 11, "minute": 57}
